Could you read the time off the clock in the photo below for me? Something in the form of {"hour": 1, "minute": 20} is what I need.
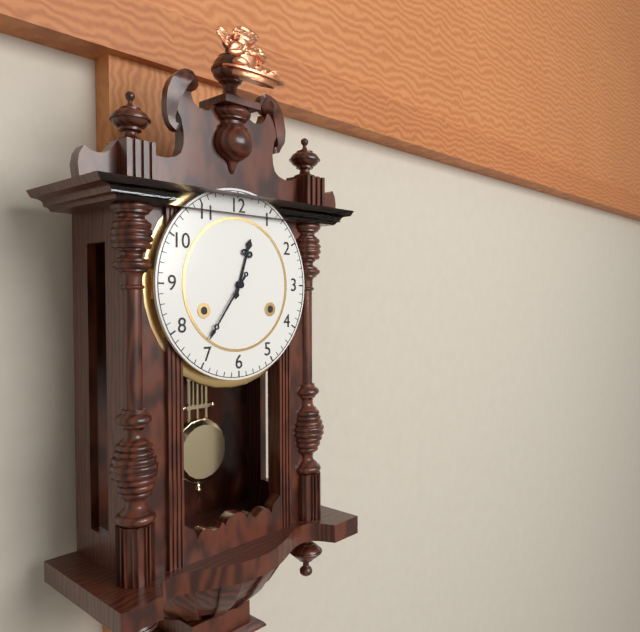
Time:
{"hour": 12, "minute": 36}
